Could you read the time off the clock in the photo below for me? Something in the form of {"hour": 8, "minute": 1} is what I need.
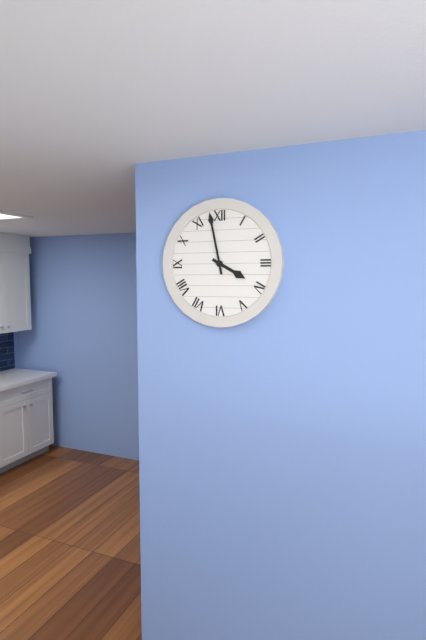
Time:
{"hour": 3, "minute": 58}
